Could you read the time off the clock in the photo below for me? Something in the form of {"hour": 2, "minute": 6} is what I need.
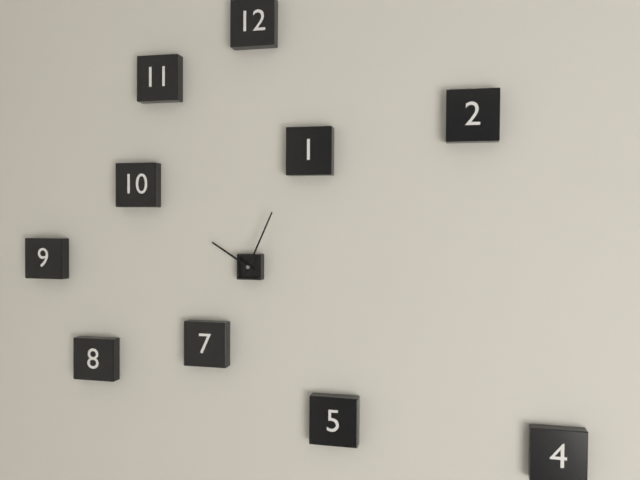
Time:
{"hour": 10, "minute": 4}
